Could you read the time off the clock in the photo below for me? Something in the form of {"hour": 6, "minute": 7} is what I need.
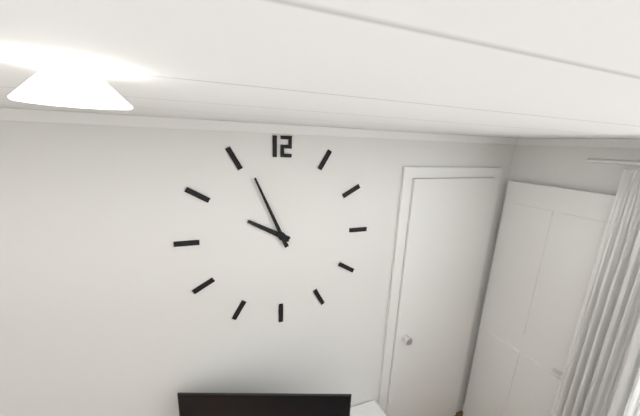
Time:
{"hour": 9, "minute": 56}
